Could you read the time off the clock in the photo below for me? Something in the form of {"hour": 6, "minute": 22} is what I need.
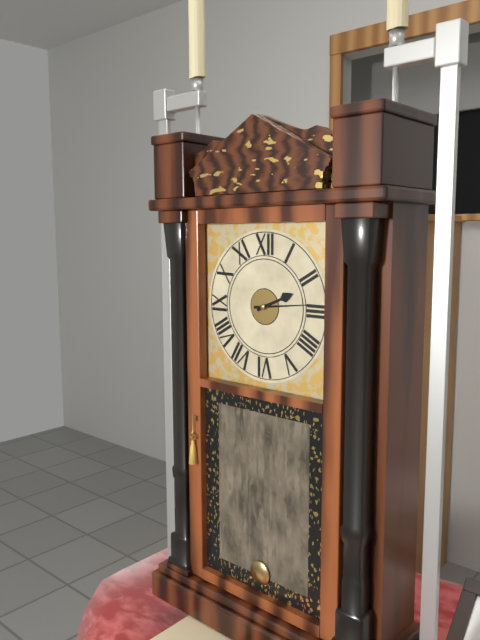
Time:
{"hour": 2, "minute": 14}
